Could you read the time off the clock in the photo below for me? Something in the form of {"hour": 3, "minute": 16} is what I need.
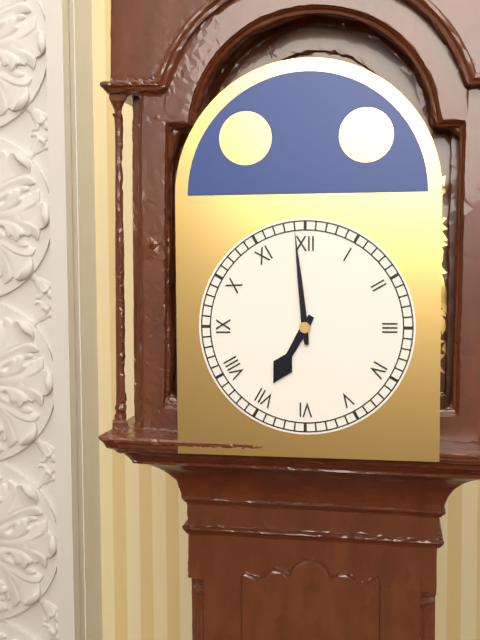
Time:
{"hour": 6, "minute": 59}
